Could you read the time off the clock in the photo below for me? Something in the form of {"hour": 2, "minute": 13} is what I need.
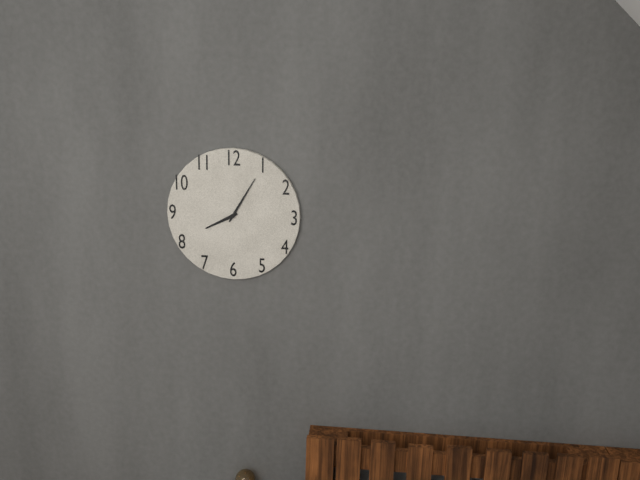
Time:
{"hour": 8, "minute": 5}
